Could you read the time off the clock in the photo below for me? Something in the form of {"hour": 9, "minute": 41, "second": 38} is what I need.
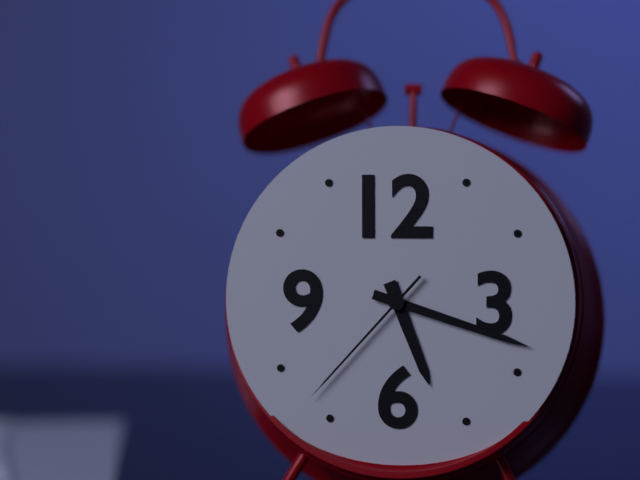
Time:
{"hour": 5, "minute": 18, "second": 37}
